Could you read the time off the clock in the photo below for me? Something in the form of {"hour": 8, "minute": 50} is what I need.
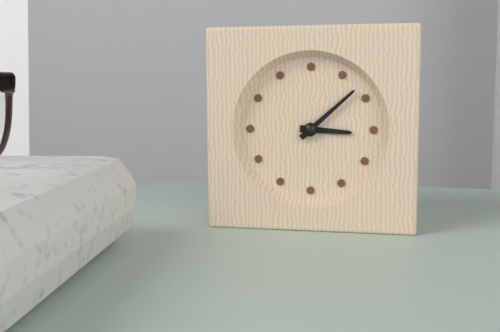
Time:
{"hour": 3, "minute": 8}
